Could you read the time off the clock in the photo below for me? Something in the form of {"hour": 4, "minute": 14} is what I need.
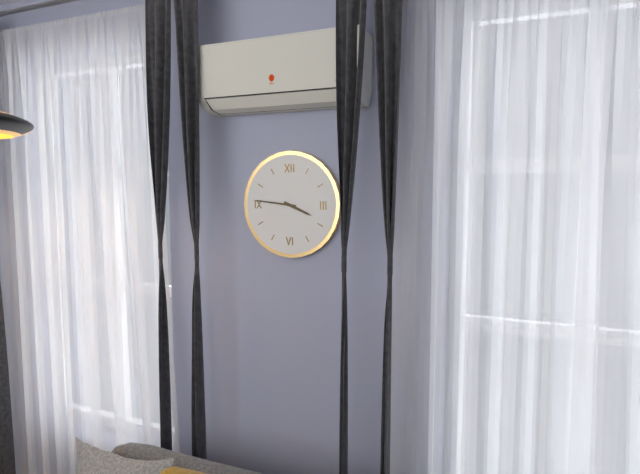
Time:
{"hour": 3, "minute": 46}
